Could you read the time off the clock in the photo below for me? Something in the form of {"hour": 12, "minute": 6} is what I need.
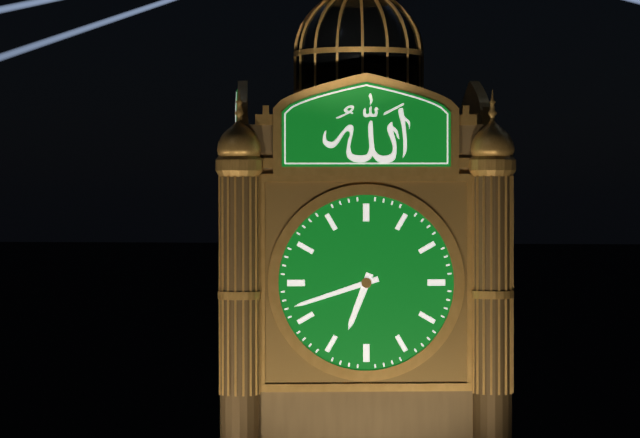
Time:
{"hour": 6, "minute": 42}
